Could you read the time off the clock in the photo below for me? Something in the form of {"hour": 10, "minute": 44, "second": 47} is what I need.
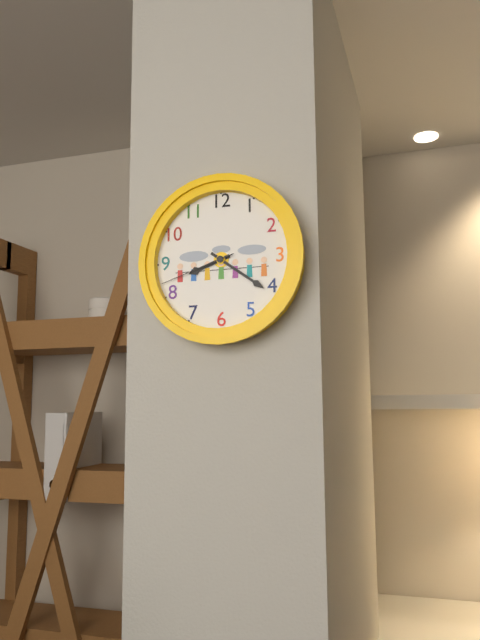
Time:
{"hour": 8, "minute": 21, "second": 42}
